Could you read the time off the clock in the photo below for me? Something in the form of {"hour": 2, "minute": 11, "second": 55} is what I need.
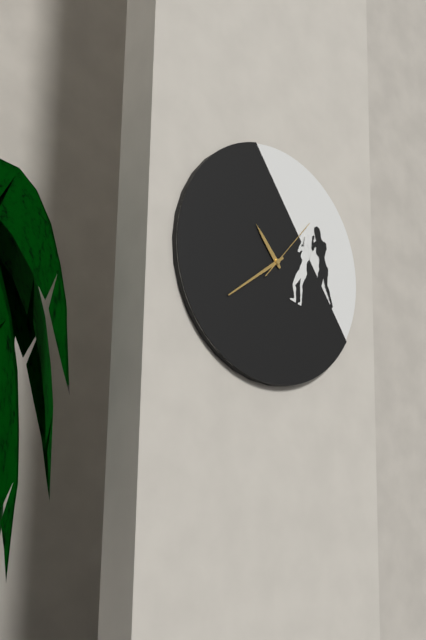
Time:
{"hour": 10, "minute": 39, "second": 7}
